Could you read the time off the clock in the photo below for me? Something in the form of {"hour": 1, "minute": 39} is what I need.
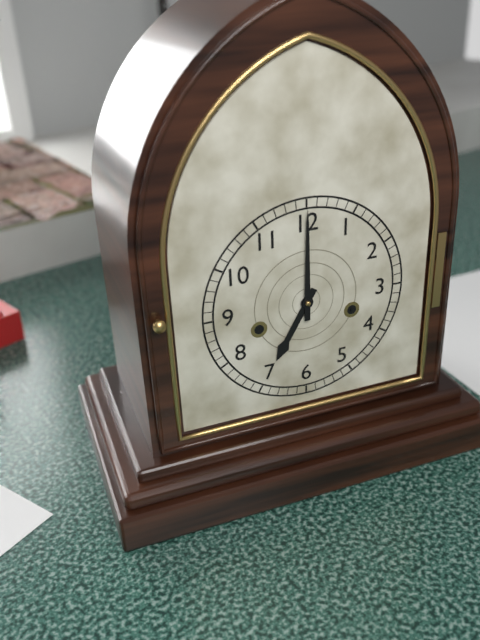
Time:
{"hour": 7, "minute": 0}
